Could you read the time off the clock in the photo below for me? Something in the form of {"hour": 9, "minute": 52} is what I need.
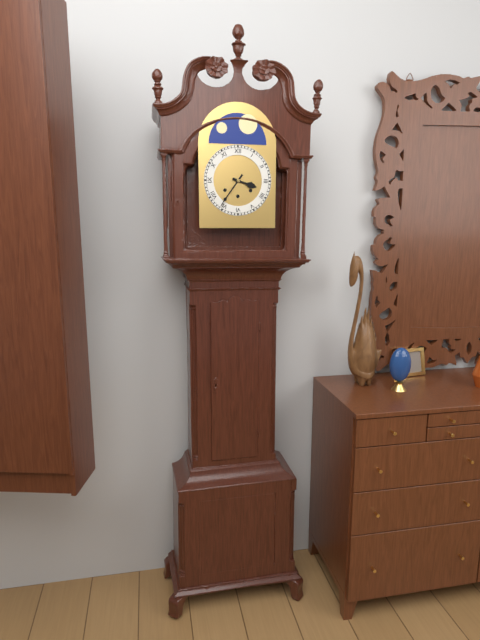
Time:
{"hour": 3, "minute": 36}
